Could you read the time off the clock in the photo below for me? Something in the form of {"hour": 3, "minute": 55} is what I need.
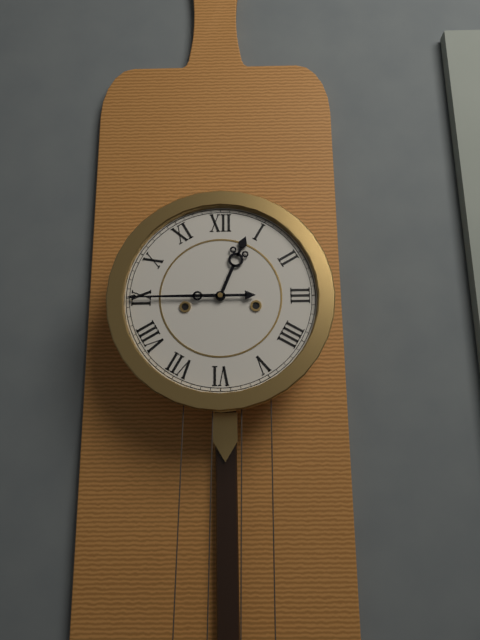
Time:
{"hour": 12, "minute": 45}
